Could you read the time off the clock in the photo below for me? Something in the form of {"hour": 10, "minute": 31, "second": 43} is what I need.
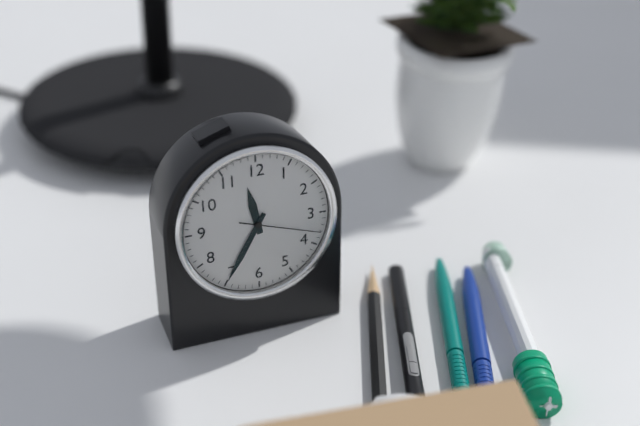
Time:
{"hour": 11, "minute": 35, "second": 18}
